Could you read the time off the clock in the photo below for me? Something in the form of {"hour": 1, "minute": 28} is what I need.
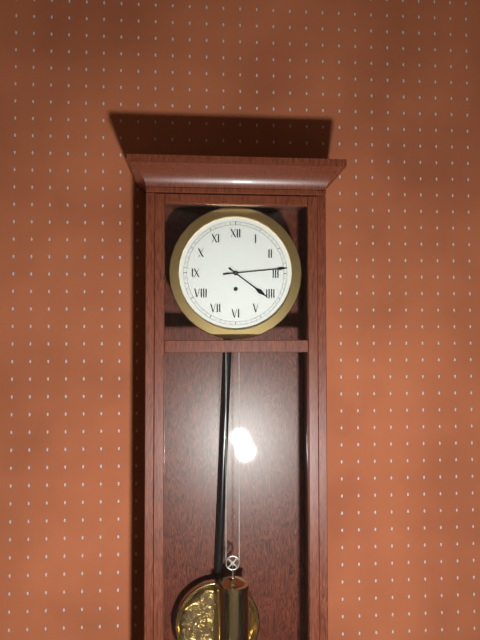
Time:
{"hour": 4, "minute": 14}
